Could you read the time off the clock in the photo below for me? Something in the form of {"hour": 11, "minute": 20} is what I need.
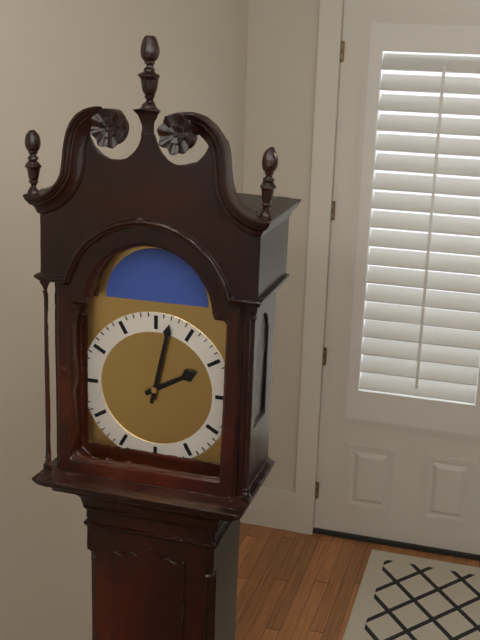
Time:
{"hour": 2, "minute": 2}
